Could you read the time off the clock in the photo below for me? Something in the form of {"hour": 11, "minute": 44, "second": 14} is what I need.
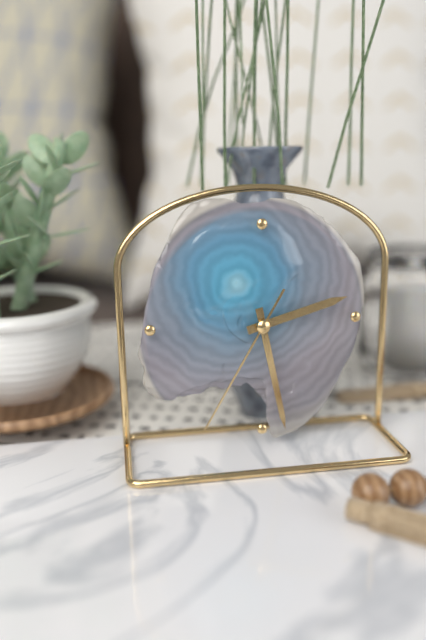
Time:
{"hour": 2, "minute": 28, "second": 35}
